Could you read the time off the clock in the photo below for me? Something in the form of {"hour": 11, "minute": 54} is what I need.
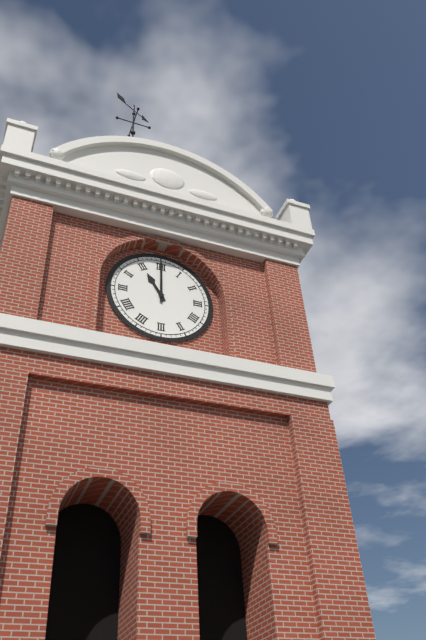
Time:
{"hour": 11, "minute": 0}
